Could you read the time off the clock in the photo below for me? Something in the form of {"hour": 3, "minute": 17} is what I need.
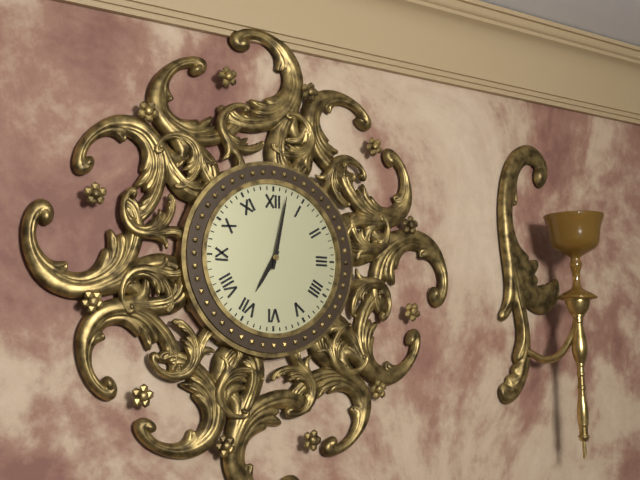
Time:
{"hour": 7, "minute": 2}
